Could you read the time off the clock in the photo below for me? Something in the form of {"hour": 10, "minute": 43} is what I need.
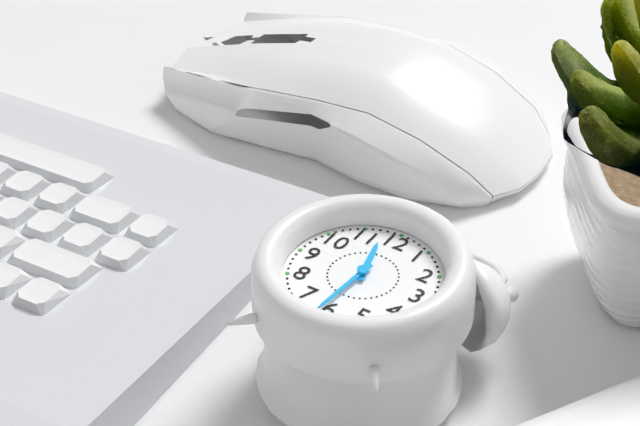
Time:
{"hour": 11, "minute": 31}
